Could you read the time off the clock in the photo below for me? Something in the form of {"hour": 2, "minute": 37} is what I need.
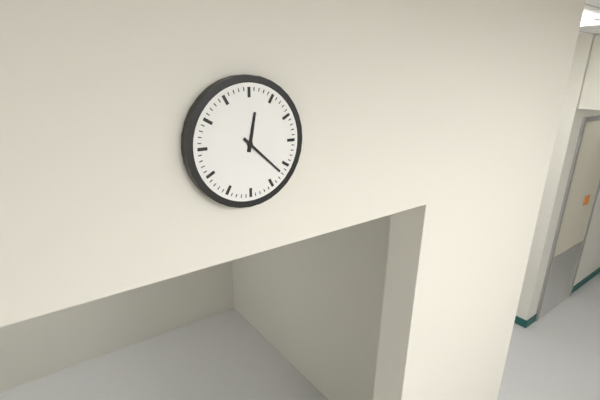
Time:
{"hour": 12, "minute": 22}
